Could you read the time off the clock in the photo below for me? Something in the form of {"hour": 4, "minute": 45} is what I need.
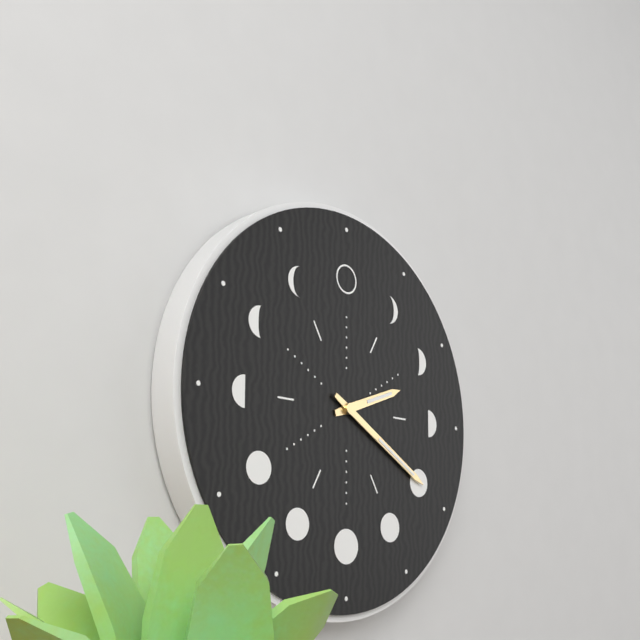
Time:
{"hour": 2, "minute": 20}
